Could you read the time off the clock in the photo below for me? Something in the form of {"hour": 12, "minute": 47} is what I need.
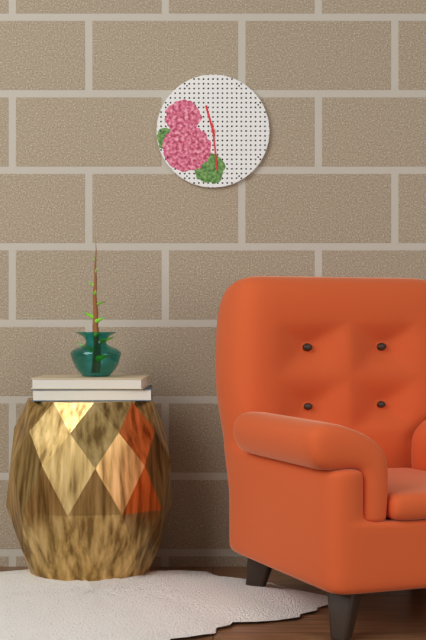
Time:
{"hour": 11, "minute": 29}
